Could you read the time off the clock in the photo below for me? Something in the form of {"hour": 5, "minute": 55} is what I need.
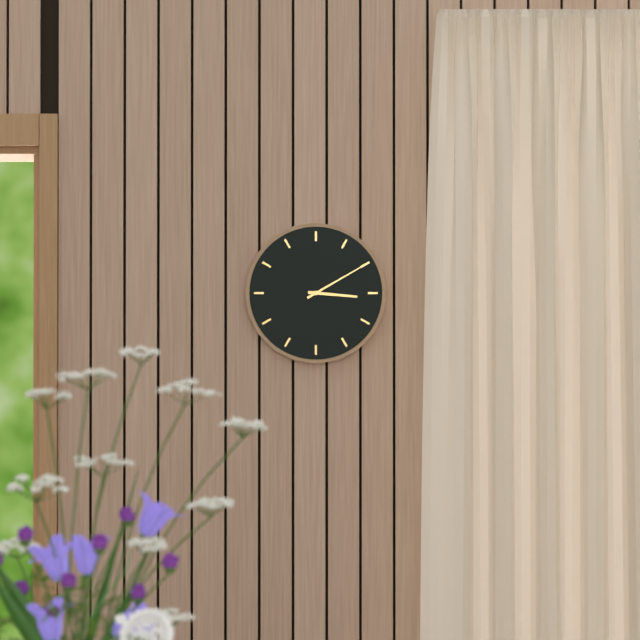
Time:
{"hour": 3, "minute": 10}
